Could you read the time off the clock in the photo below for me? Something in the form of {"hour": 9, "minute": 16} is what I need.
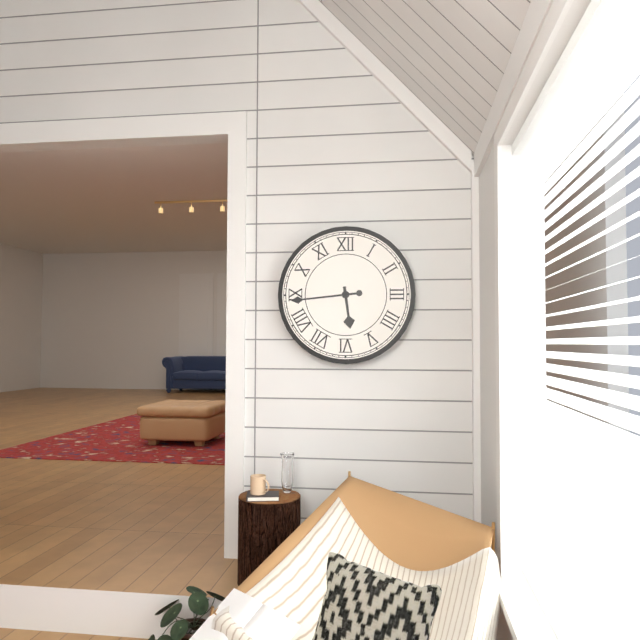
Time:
{"hour": 5, "minute": 44}
